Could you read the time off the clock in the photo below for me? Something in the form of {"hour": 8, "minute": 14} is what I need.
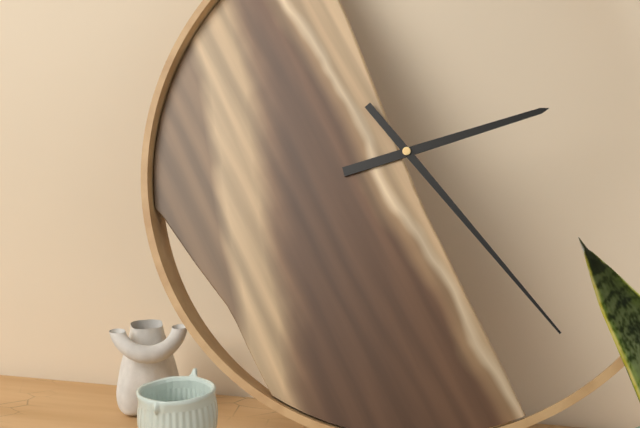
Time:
{"hour": 2, "minute": 23}
